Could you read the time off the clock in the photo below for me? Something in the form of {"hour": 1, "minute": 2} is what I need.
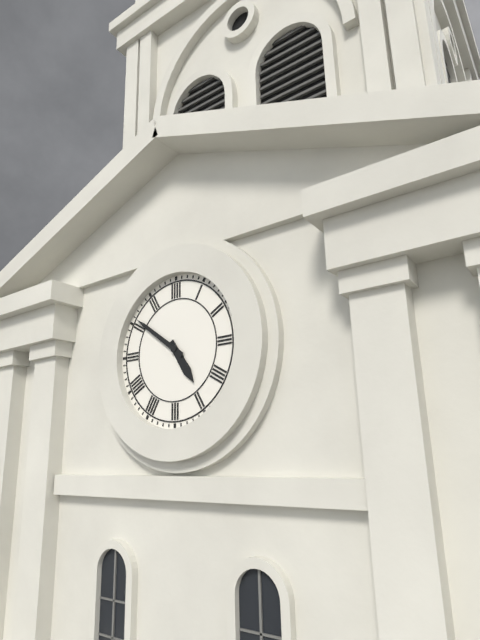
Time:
{"hour": 4, "minute": 51}
